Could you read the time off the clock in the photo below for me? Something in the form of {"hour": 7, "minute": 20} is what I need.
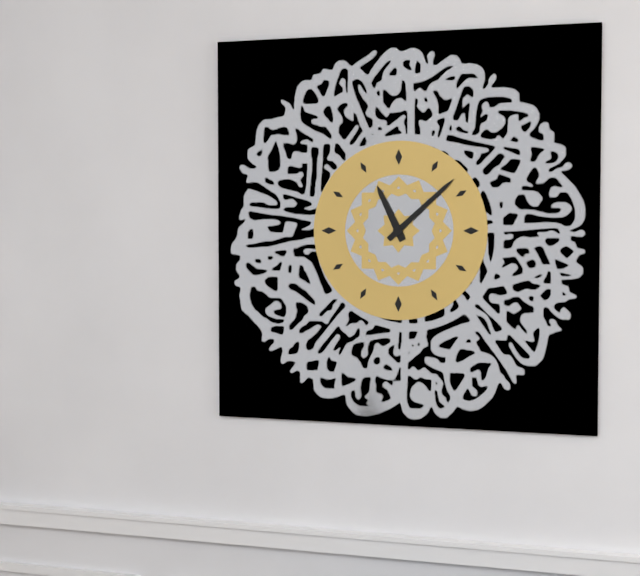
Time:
{"hour": 11, "minute": 8}
